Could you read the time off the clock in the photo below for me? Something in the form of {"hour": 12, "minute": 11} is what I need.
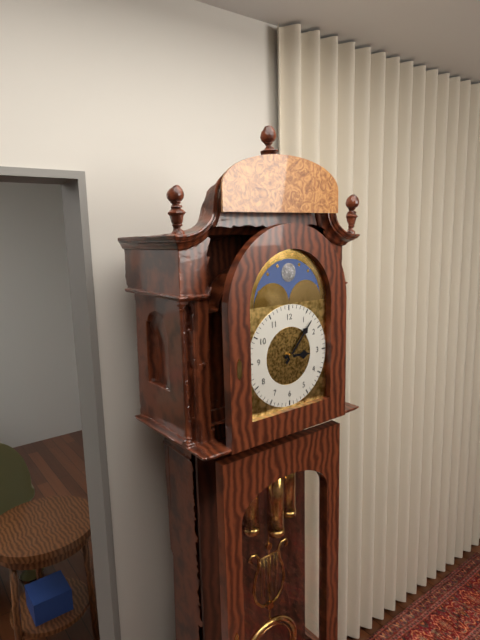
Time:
{"hour": 3, "minute": 7}
